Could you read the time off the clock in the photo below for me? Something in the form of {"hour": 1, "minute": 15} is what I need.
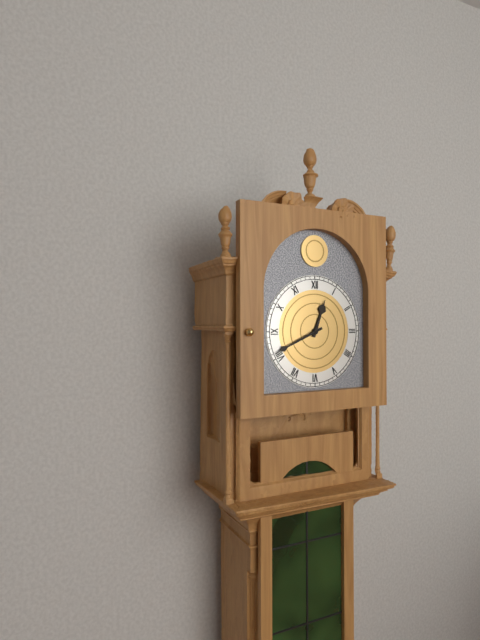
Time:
{"hour": 12, "minute": 41}
